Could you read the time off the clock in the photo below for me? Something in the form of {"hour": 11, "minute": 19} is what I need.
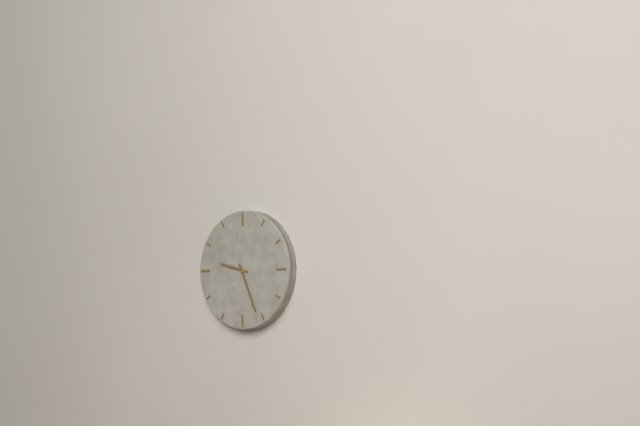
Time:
{"hour": 9, "minute": 26}
